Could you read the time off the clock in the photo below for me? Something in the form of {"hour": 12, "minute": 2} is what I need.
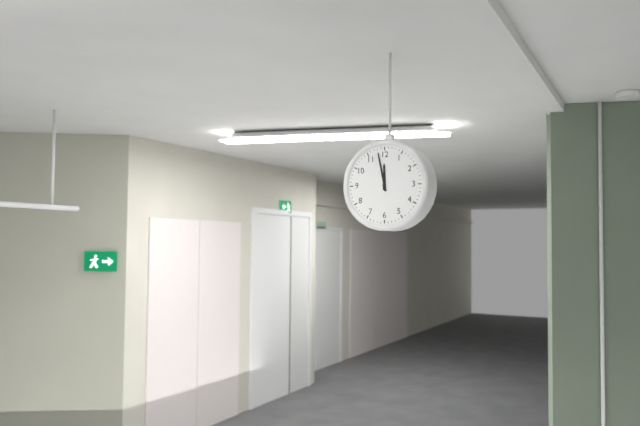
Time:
{"hour": 11, "minute": 58}
